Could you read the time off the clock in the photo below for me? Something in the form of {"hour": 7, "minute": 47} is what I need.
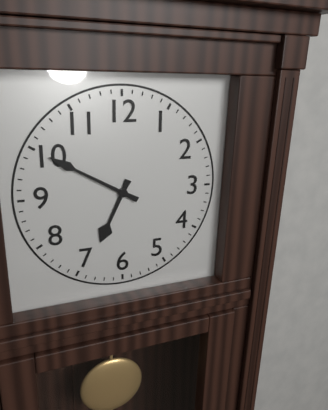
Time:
{"hour": 6, "minute": 50}
